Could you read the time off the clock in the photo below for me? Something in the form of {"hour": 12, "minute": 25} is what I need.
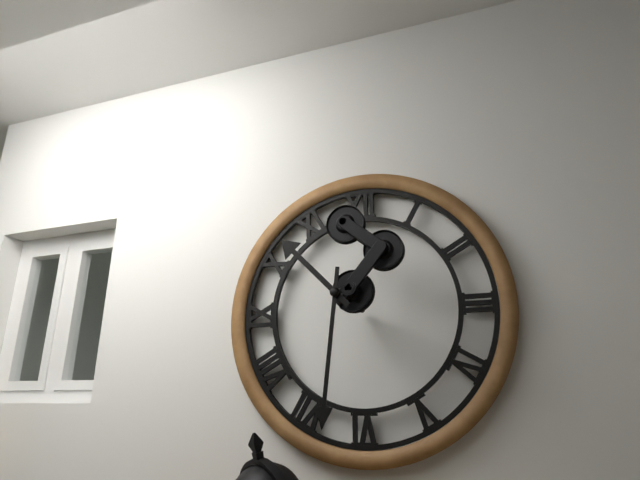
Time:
{"hour": 10, "minute": 31}
